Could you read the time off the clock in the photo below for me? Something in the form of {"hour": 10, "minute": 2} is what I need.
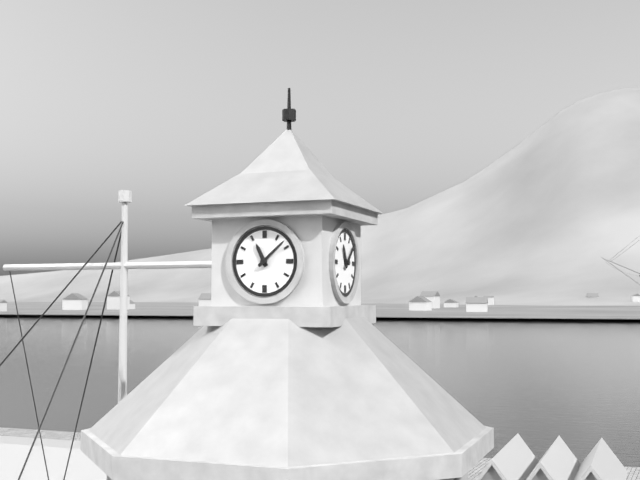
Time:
{"hour": 11, "minute": 8}
